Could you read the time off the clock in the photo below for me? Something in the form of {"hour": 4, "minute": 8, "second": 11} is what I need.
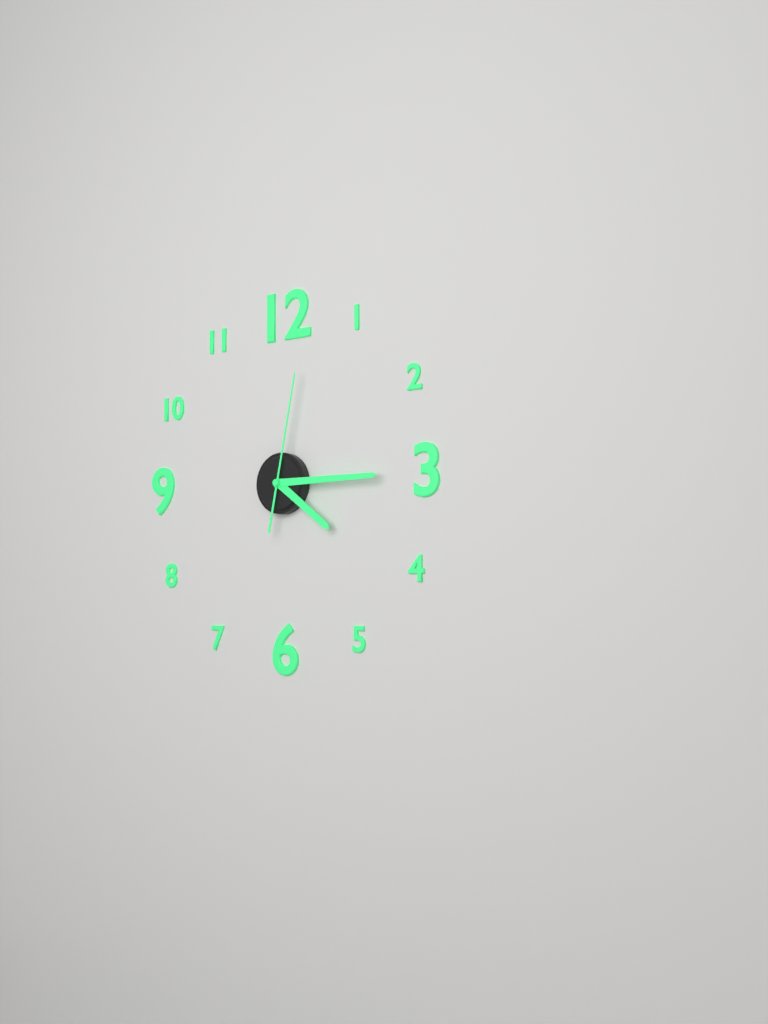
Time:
{"hour": 4, "minute": 15, "second": 2}
